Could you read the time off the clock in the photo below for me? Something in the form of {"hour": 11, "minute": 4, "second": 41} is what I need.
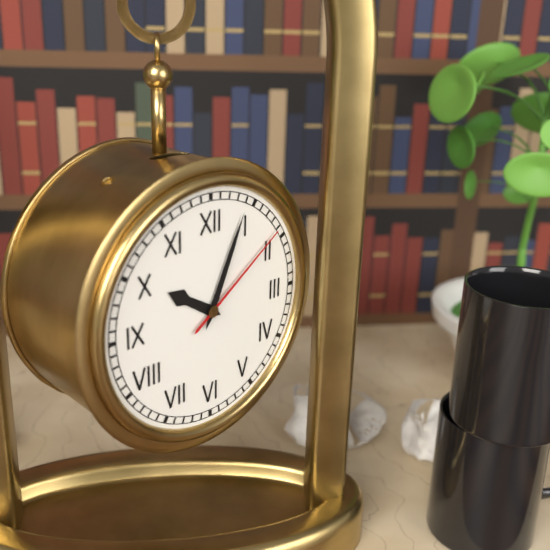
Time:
{"hour": 10, "minute": 4, "second": 9}
